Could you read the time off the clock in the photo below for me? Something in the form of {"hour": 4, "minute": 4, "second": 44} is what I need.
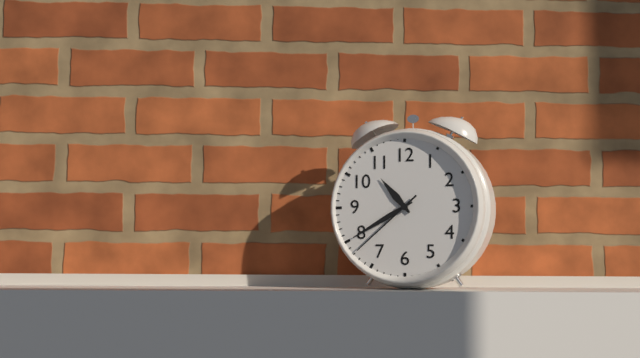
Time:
{"hour": 10, "minute": 40, "second": 38}
